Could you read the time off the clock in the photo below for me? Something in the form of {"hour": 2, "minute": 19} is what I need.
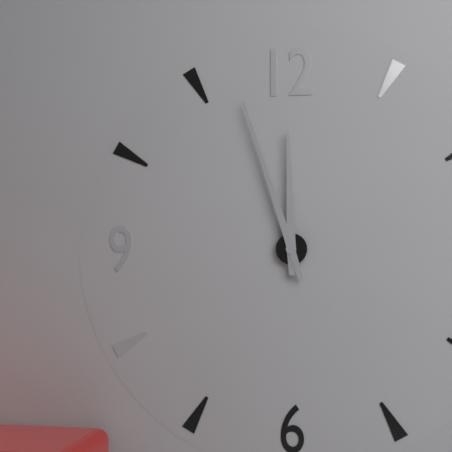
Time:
{"hour": 11, "minute": 57}
